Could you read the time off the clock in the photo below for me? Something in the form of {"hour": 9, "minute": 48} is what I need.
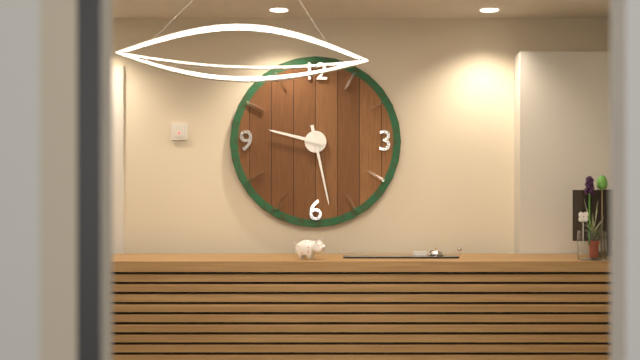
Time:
{"hour": 9, "minute": 28}
